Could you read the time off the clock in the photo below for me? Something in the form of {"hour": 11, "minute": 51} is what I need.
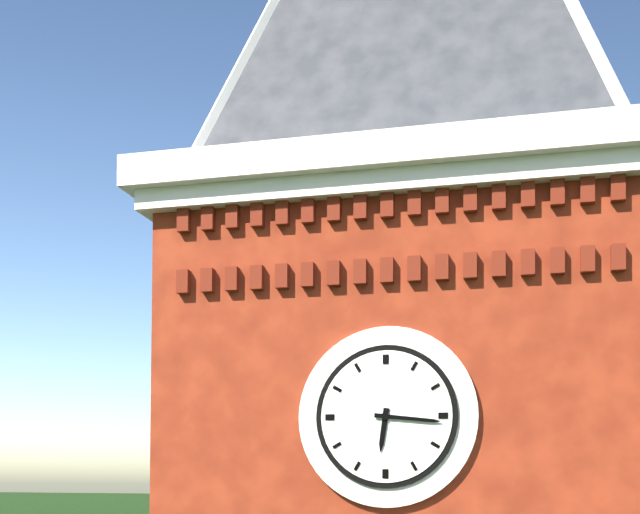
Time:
{"hour": 6, "minute": 16}
